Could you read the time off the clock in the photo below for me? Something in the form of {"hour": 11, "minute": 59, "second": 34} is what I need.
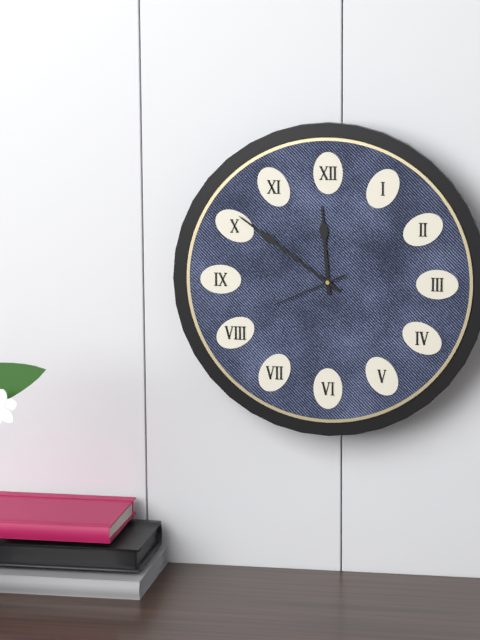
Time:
{"hour": 11, "minute": 51, "second": 41}
